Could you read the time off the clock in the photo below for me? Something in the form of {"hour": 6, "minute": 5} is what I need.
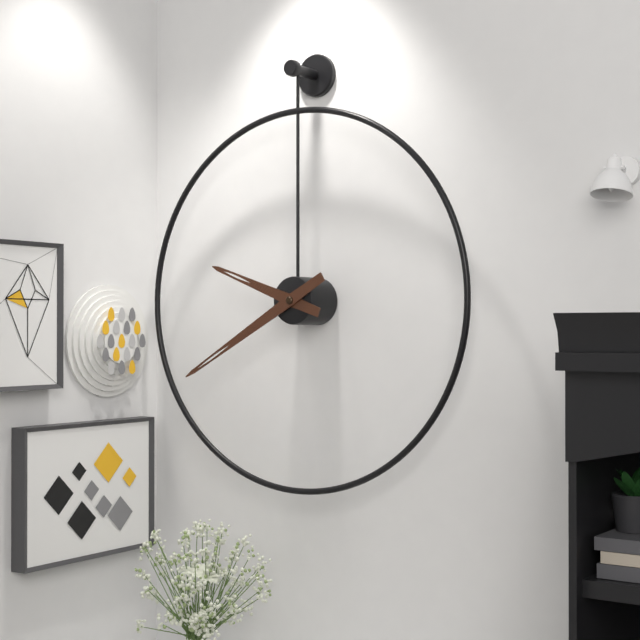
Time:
{"hour": 9, "minute": 40}
